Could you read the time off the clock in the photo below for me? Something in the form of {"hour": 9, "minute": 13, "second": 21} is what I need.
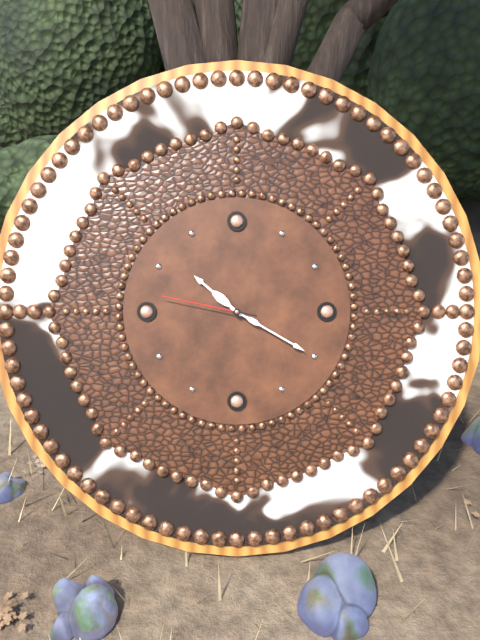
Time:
{"hour": 10, "minute": 20, "second": 47}
